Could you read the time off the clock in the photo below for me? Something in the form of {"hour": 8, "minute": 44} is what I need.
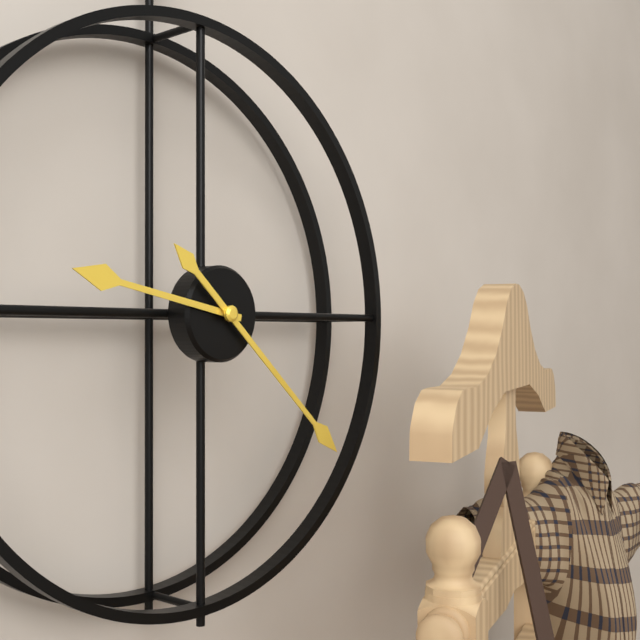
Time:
{"hour": 9, "minute": 22}
